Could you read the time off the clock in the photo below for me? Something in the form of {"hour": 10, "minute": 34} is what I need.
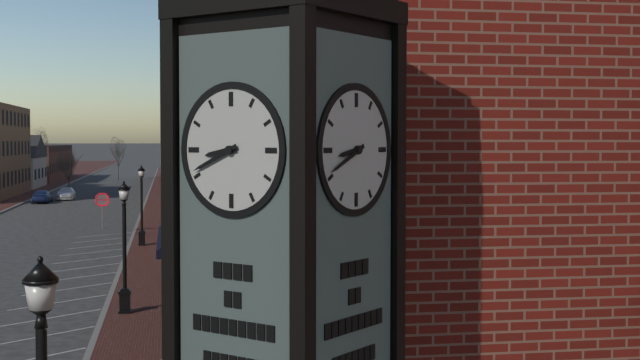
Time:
{"hour": 8, "minute": 41}
